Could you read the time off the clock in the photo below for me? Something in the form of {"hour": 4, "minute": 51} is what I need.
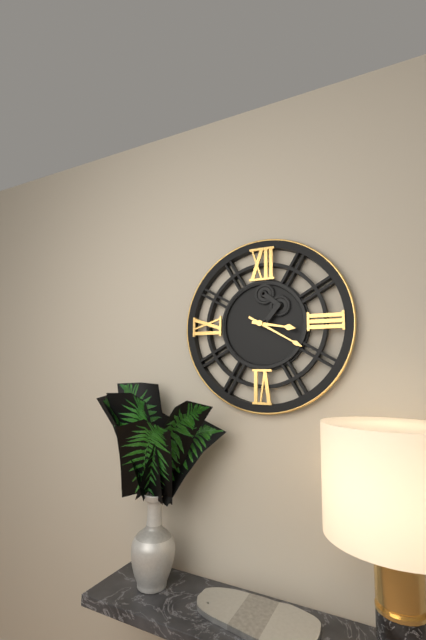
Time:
{"hour": 3, "minute": 20}
